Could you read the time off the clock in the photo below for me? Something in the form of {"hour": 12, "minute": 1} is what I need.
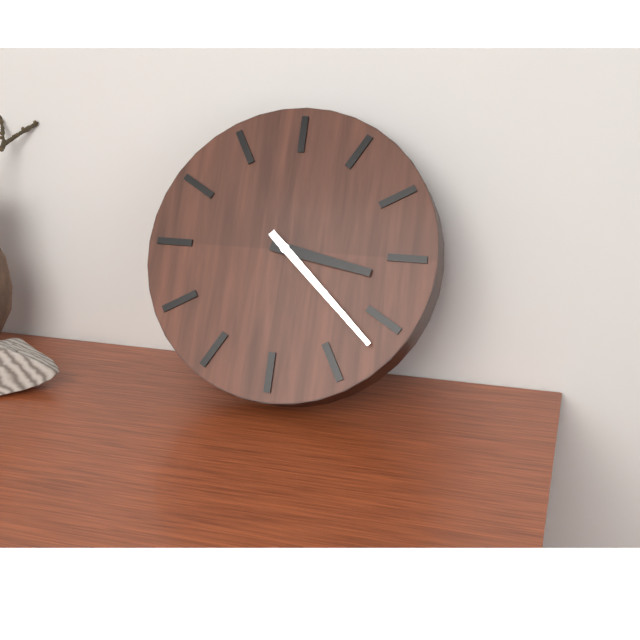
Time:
{"hour": 3, "minute": 22}
